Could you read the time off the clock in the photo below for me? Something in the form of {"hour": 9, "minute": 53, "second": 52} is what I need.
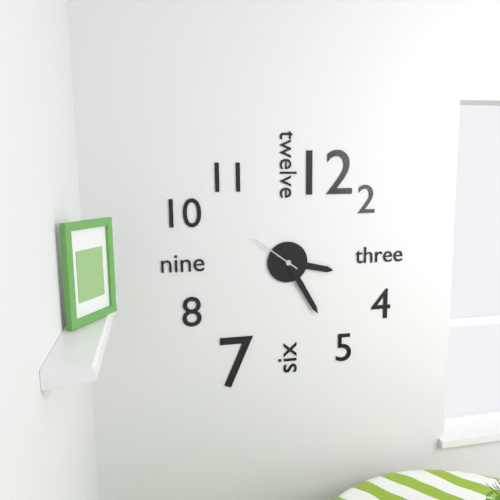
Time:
{"hour": 3, "minute": 25, "second": 51}
